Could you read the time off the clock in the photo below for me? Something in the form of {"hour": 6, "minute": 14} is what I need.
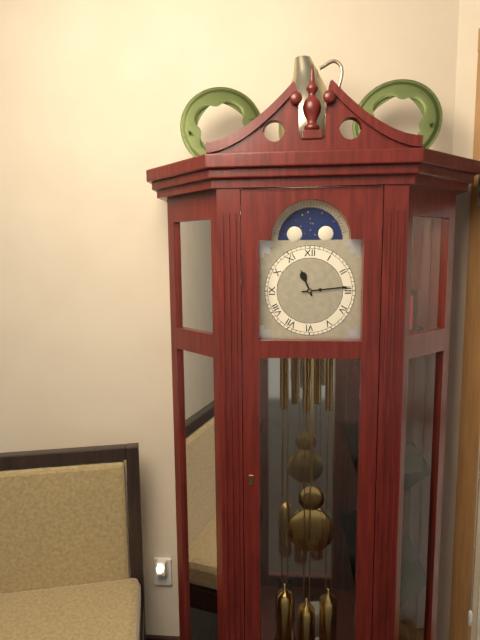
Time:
{"hour": 11, "minute": 14}
